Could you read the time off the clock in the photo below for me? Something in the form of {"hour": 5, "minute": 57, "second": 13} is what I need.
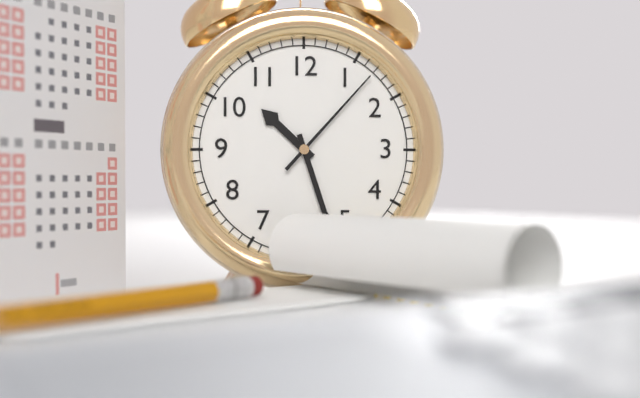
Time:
{"hour": 10, "minute": 27, "second": 7}
